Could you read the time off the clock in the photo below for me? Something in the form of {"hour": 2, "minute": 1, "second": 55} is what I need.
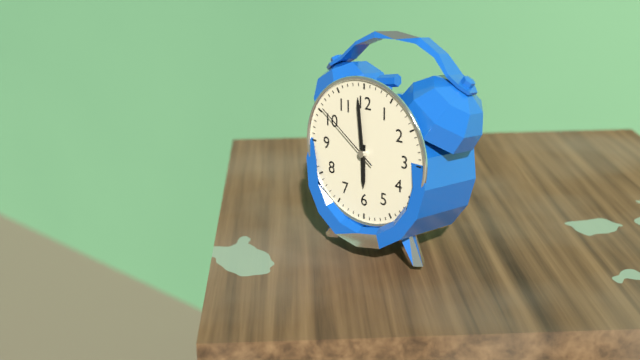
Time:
{"hour": 5, "minute": 59, "second": 51}
